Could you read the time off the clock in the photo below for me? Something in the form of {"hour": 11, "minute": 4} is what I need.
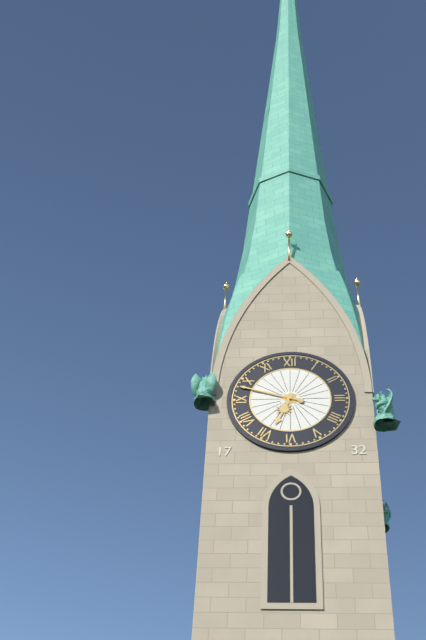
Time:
{"hour": 6, "minute": 48}
